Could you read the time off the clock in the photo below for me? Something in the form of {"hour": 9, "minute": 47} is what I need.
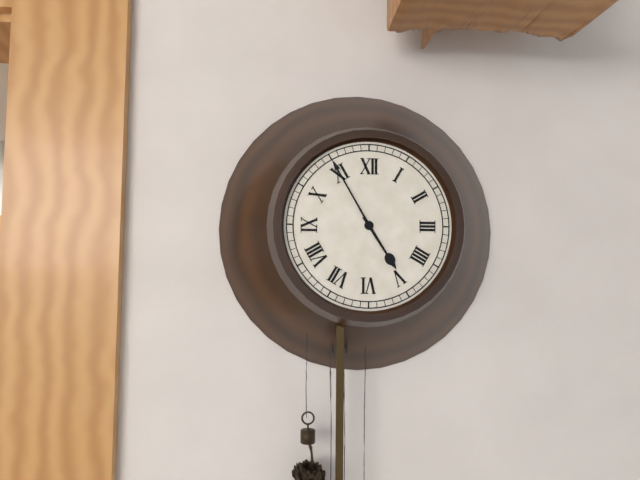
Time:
{"hour": 4, "minute": 55}
